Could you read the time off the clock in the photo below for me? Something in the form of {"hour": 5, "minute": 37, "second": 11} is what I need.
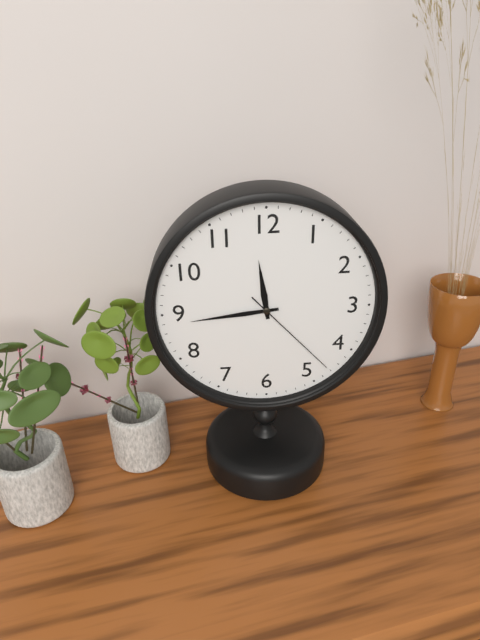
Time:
{"hour": 11, "minute": 44, "second": 23}
